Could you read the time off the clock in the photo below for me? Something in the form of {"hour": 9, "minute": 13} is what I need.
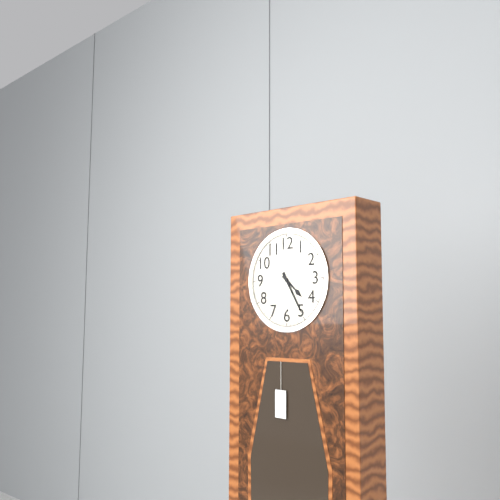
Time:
{"hour": 4, "minute": 25}
